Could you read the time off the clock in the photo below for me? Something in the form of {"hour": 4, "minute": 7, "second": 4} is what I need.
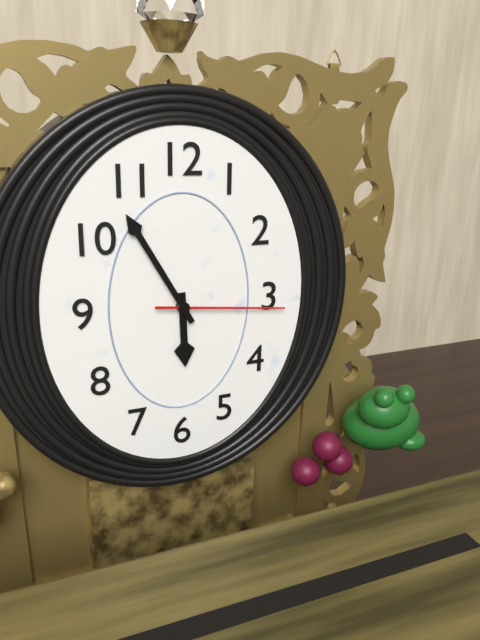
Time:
{"hour": 5, "minute": 55, "second": 16}
